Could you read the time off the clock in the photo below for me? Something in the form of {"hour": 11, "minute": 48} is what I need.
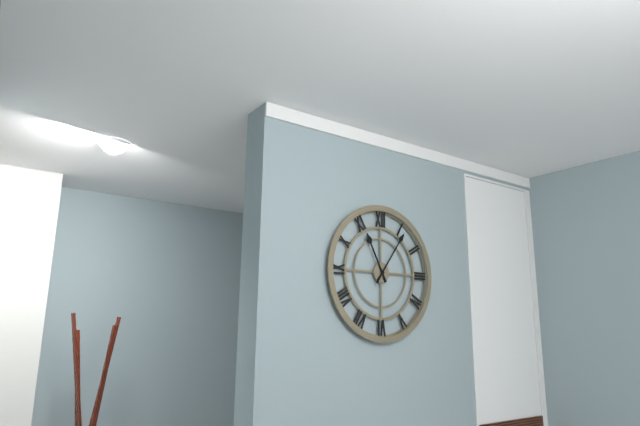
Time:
{"hour": 11, "minute": 6}
